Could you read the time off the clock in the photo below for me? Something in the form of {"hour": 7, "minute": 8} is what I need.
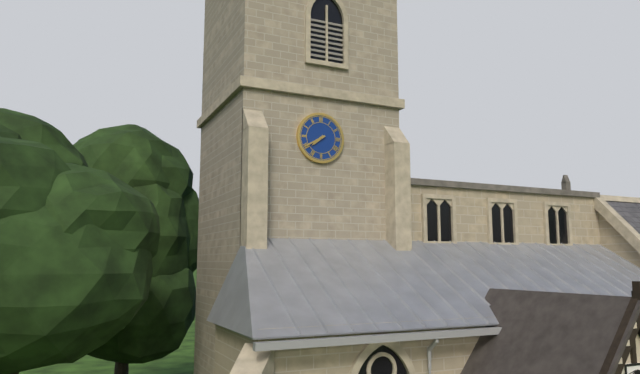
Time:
{"hour": 7, "minute": 40}
